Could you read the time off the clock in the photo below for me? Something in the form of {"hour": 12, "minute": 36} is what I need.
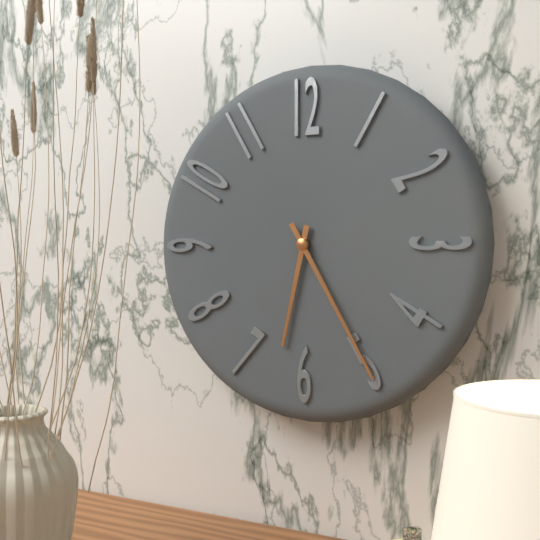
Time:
{"hour": 6, "minute": 25}
